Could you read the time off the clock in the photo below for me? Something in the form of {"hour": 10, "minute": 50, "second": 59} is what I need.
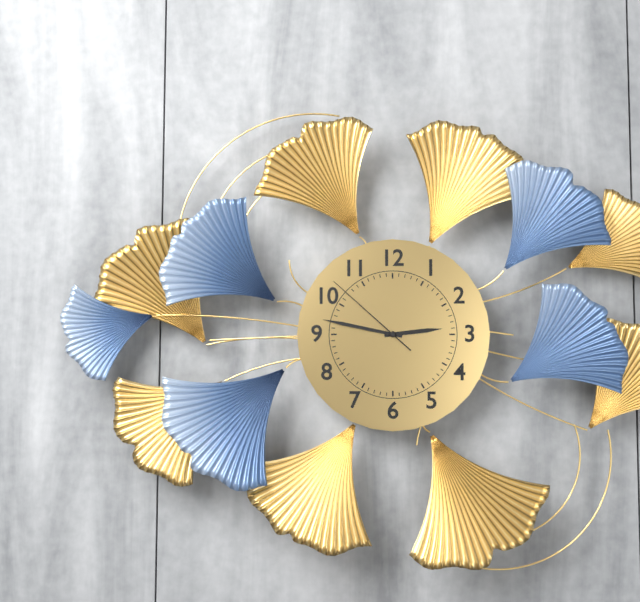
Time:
{"hour": 2, "minute": 47, "second": 52}
